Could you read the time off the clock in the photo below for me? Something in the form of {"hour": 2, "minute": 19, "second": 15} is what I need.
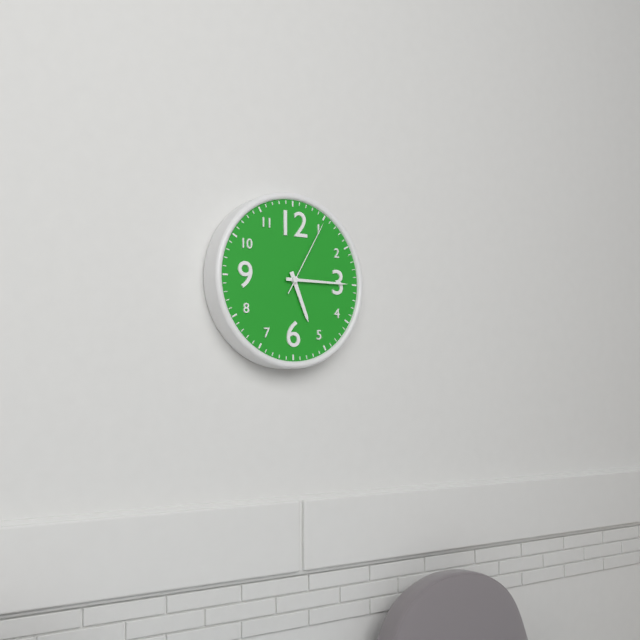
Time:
{"hour": 5, "minute": 15, "second": 5}
